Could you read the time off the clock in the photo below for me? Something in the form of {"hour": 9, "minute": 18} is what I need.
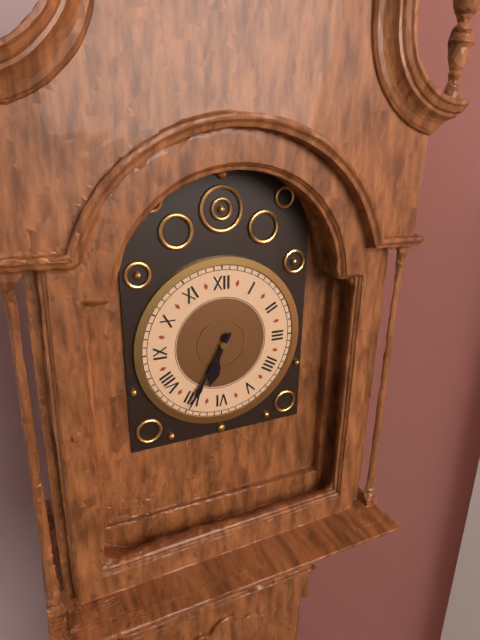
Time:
{"hour": 6, "minute": 35}
